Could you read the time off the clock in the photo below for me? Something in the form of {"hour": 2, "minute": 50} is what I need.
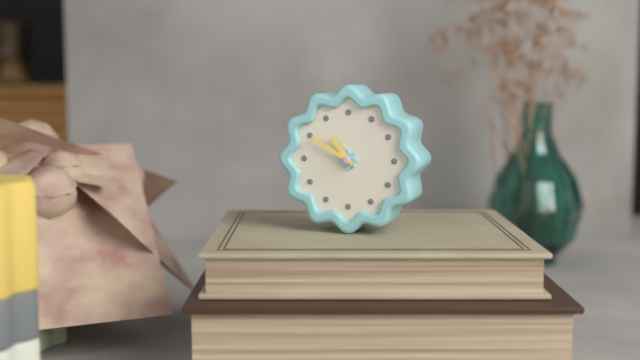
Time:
{"hour": 10, "minute": 50}
